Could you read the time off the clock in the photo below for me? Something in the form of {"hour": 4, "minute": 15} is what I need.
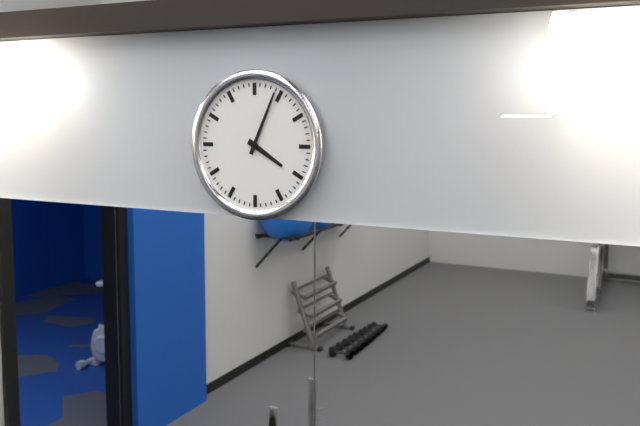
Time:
{"hour": 4, "minute": 4}
